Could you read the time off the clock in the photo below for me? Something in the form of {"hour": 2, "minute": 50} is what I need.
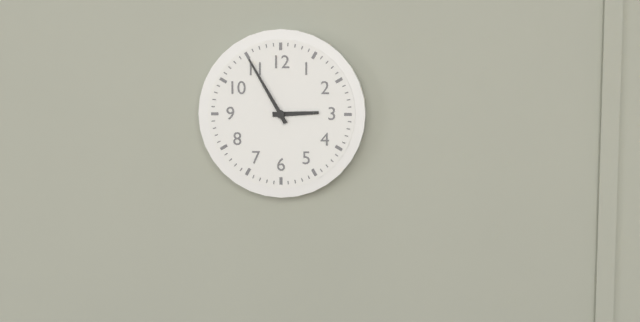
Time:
{"hour": 2, "minute": 55}
